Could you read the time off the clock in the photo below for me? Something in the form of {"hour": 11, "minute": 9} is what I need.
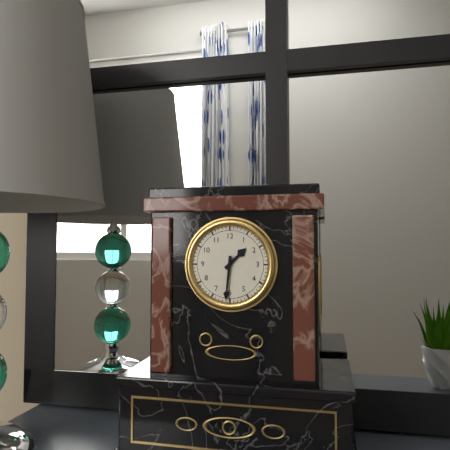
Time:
{"hour": 1, "minute": 31}
